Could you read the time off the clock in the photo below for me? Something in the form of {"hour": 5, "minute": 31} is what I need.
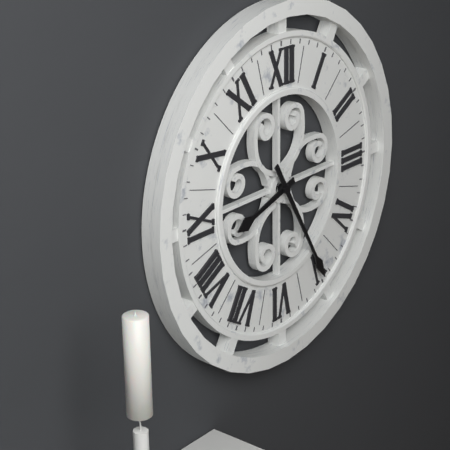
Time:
{"hour": 8, "minute": 25}
